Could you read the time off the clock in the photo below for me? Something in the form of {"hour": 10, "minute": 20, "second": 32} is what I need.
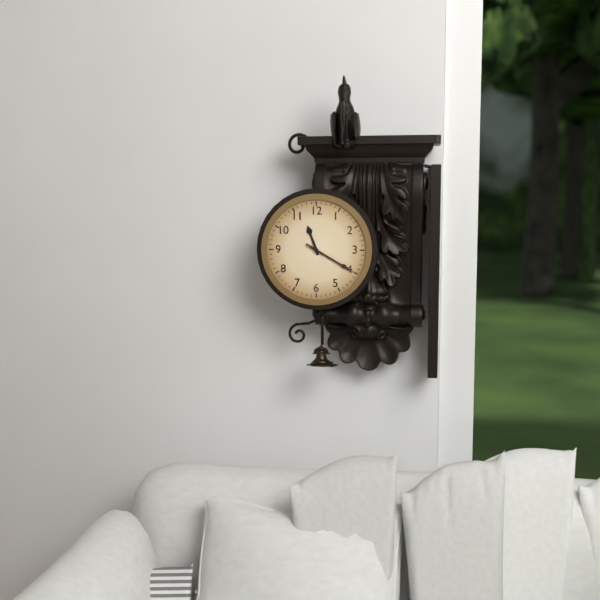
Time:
{"hour": 11, "minute": 20, "second": 20}
